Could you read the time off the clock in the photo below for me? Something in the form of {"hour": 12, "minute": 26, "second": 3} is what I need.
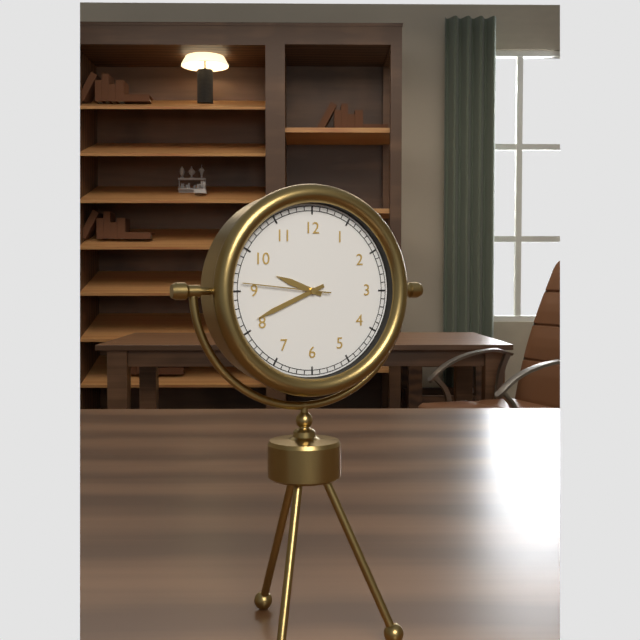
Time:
{"hour": 9, "minute": 41, "second": 46}
